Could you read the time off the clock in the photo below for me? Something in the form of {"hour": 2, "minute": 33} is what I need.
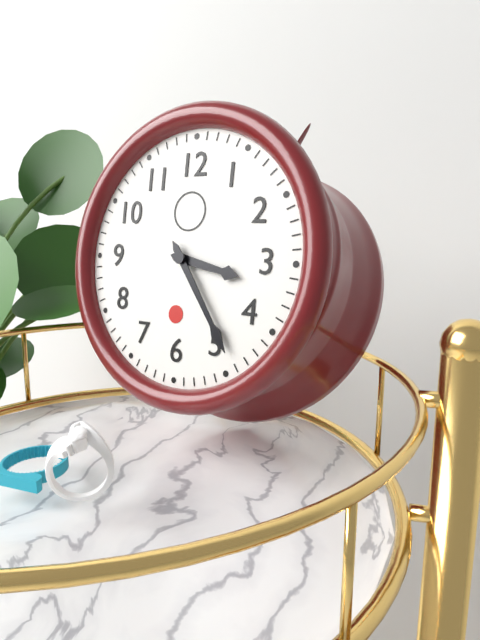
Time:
{"hour": 3, "minute": 24}
